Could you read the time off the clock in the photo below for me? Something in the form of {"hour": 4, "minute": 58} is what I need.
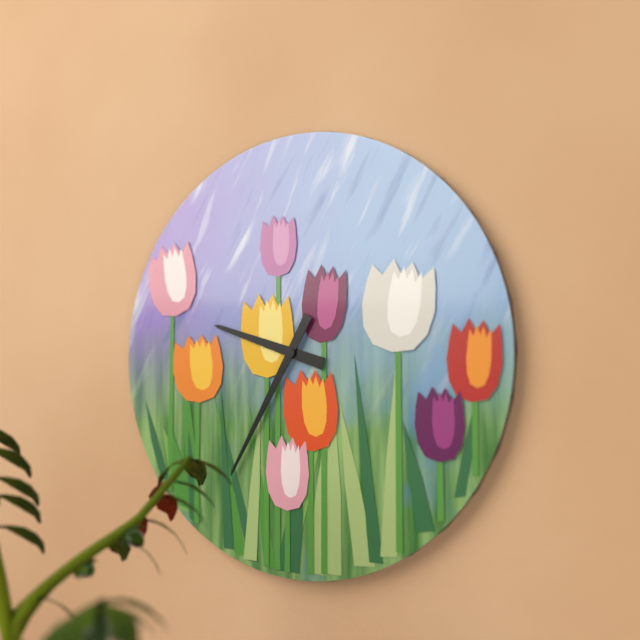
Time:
{"hour": 9, "minute": 35}
